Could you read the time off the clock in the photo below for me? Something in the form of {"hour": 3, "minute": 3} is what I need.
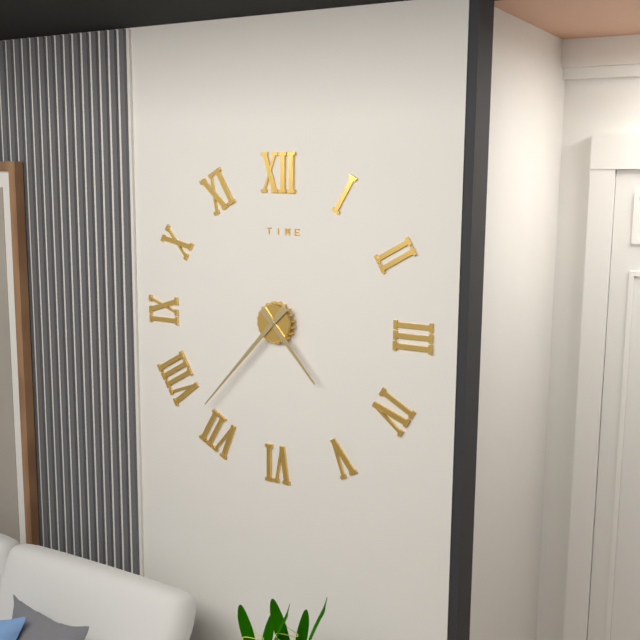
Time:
{"hour": 4, "minute": 37}
